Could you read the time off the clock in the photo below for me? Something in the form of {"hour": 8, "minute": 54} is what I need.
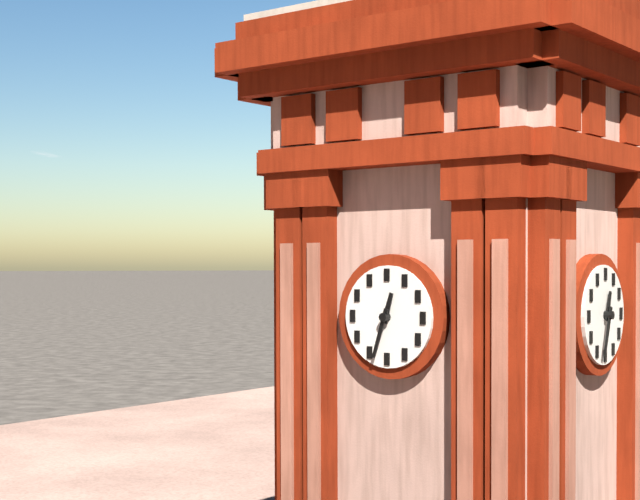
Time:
{"hour": 12, "minute": 33}
